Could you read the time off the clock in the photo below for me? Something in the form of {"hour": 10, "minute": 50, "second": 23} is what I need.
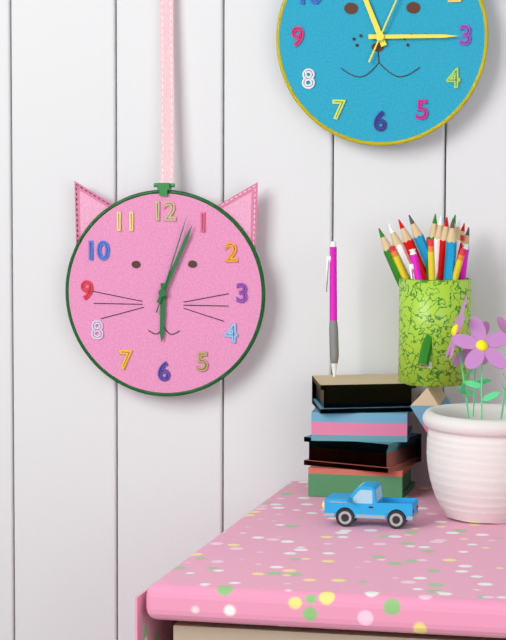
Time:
{"hour": 6, "minute": 4, "second": 3}
